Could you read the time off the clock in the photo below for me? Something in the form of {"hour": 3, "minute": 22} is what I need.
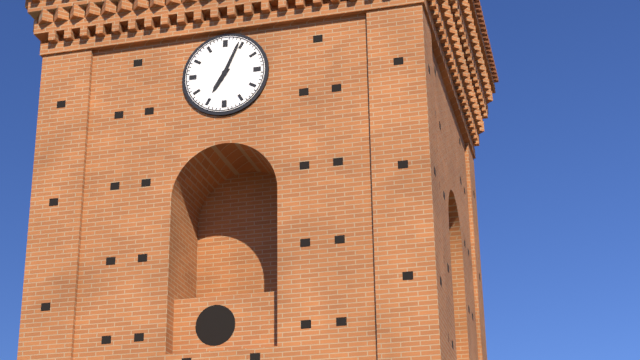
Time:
{"hour": 7, "minute": 4}
